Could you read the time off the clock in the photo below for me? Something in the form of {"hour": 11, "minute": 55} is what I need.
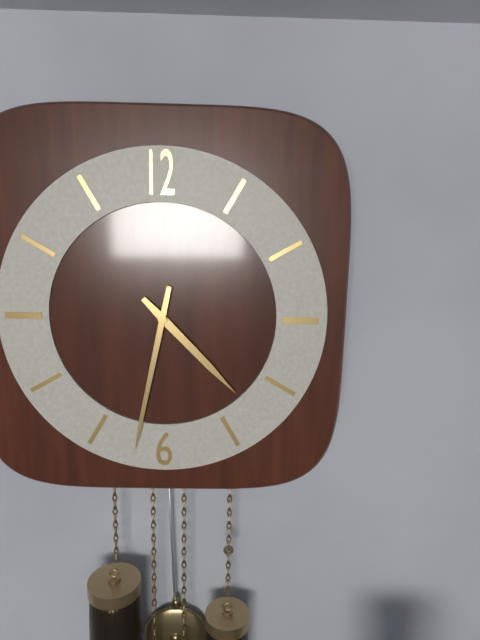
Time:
{"hour": 4, "minute": 32}
